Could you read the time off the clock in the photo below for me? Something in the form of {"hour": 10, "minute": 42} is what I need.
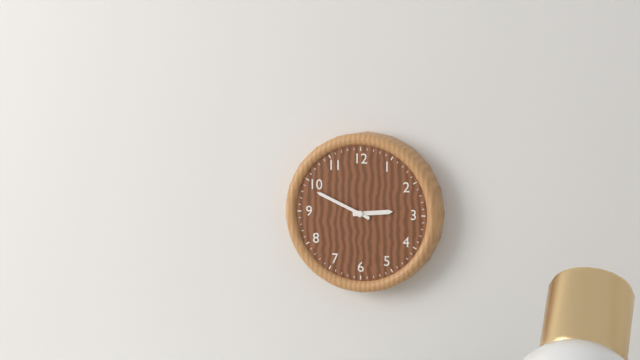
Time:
{"hour": 2, "minute": 49}
